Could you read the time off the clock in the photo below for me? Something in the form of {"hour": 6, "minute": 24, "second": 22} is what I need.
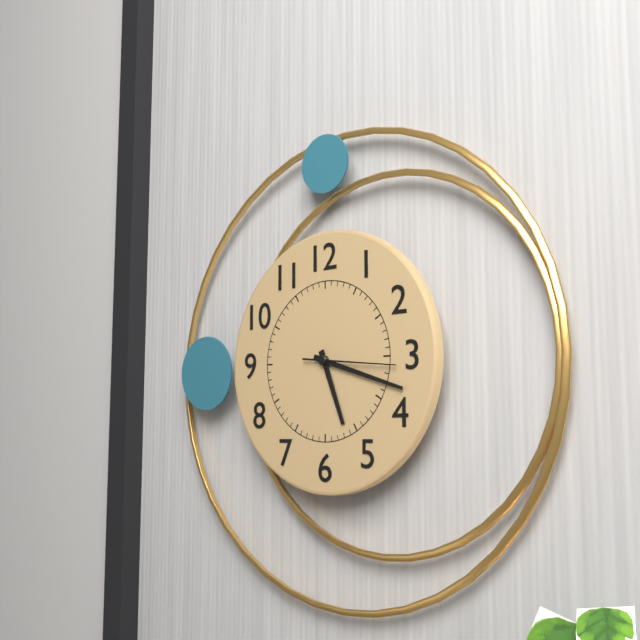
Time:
{"hour": 5, "minute": 18, "second": 16}
